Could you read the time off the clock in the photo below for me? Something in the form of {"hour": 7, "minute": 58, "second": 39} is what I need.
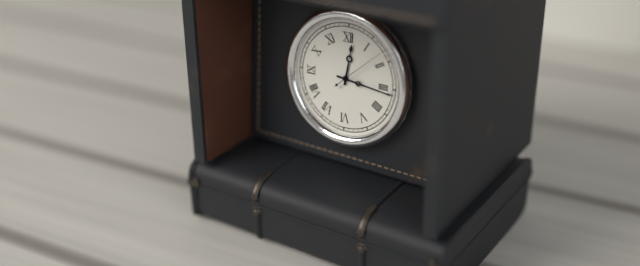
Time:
{"hour": 12, "minute": 16, "second": 8}
